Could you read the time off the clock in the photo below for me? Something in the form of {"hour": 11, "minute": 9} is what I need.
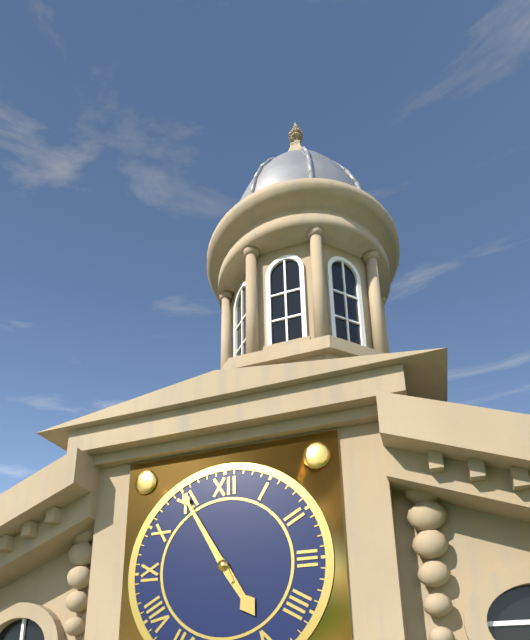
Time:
{"hour": 4, "minute": 55}
